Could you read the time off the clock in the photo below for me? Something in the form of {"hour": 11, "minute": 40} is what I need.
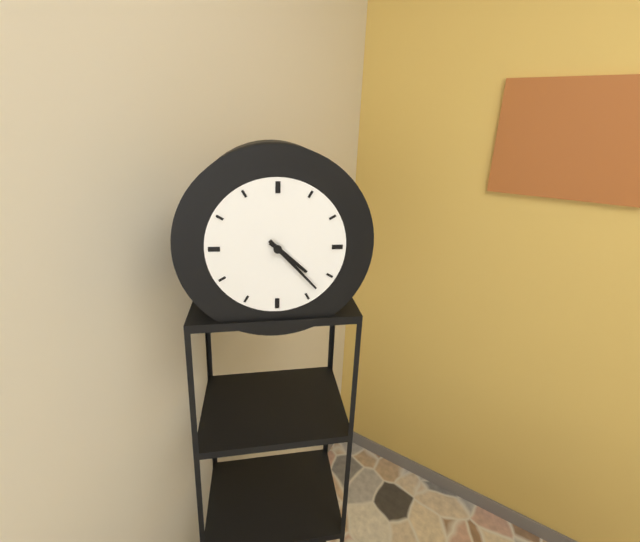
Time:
{"hour": 4, "minute": 23}
